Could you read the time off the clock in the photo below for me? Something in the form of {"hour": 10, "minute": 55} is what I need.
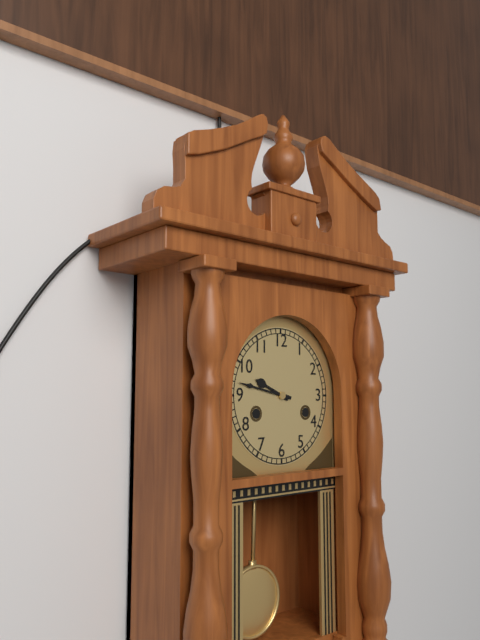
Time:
{"hour": 9, "minute": 47}
